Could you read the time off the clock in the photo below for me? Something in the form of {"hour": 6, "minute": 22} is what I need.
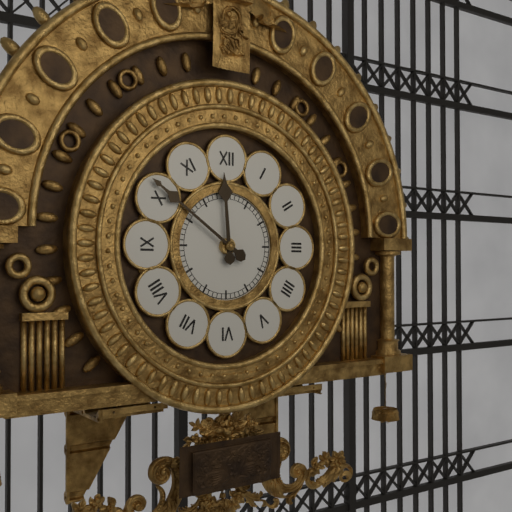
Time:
{"hour": 11, "minute": 51}
